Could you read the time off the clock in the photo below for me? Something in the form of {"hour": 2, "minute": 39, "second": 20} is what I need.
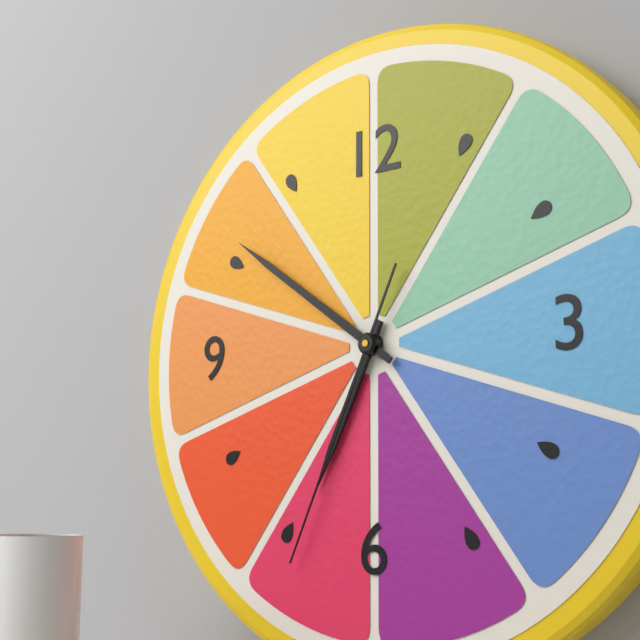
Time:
{"hour": 6, "minute": 51, "second": 34}
